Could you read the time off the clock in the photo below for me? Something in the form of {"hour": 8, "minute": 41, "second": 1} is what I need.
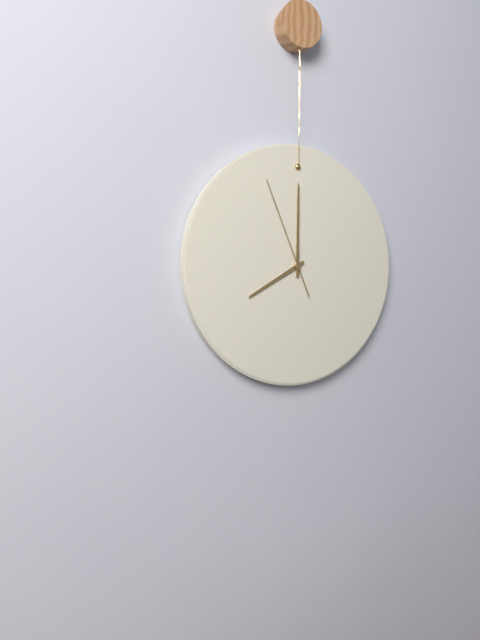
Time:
{"hour": 8, "minute": 0, "second": 56}
